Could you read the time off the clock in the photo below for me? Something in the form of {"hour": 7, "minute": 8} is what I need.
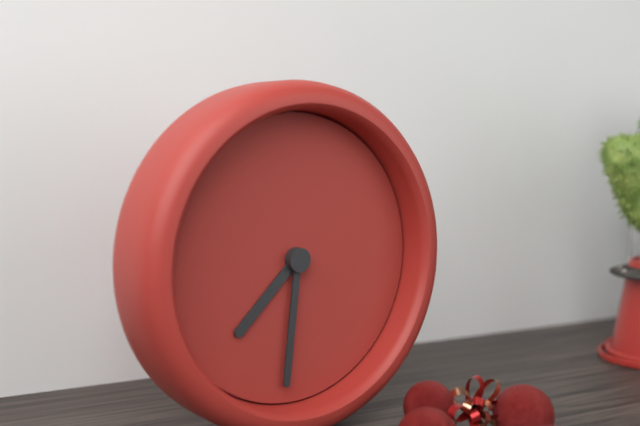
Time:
{"hour": 7, "minute": 31}
